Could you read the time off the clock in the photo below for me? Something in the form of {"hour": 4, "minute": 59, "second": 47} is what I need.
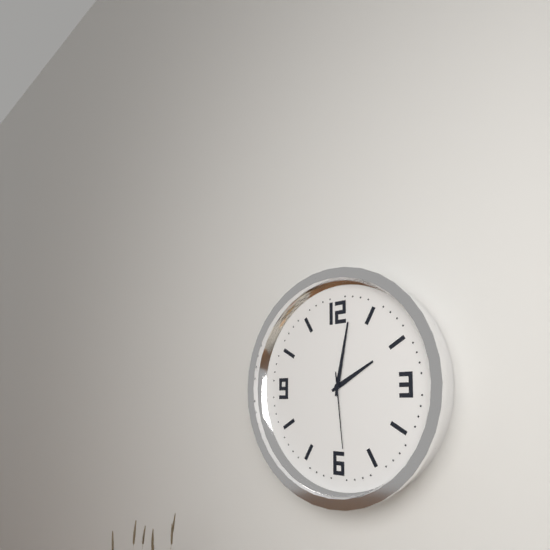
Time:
{"hour": 2, "minute": 2, "second": 29}
